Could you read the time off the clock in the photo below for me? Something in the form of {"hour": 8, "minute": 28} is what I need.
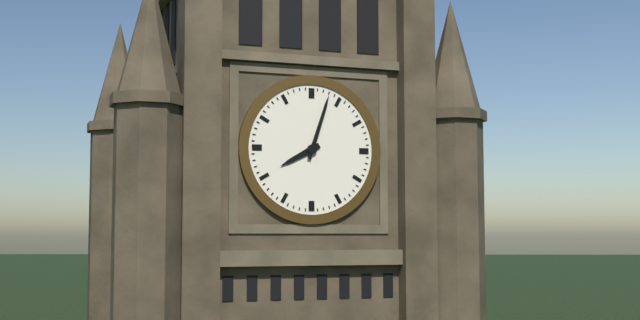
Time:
{"hour": 8, "minute": 3}
